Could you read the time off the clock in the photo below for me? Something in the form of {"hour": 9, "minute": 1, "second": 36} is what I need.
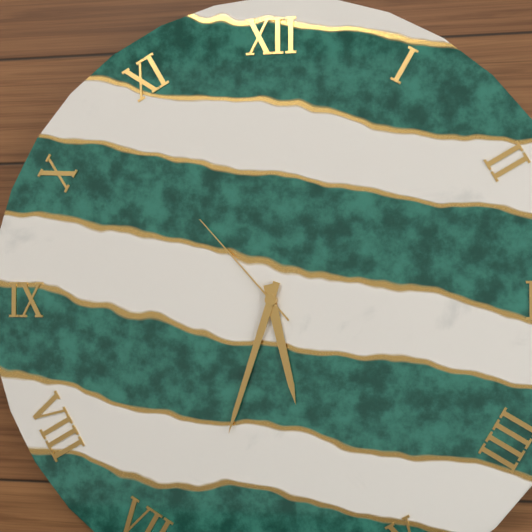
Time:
{"hour": 5, "minute": 33, "second": 53}
